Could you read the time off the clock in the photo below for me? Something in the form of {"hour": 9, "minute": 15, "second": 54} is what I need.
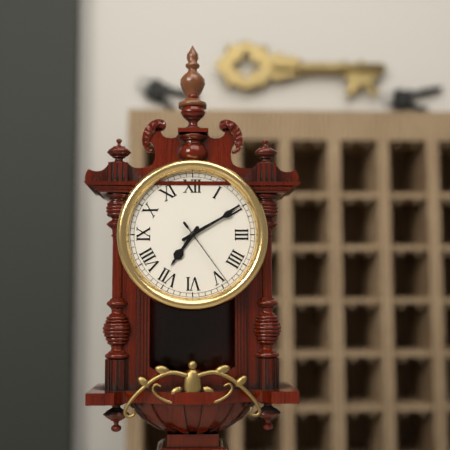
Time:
{"hour": 7, "minute": 10, "second": 24}
